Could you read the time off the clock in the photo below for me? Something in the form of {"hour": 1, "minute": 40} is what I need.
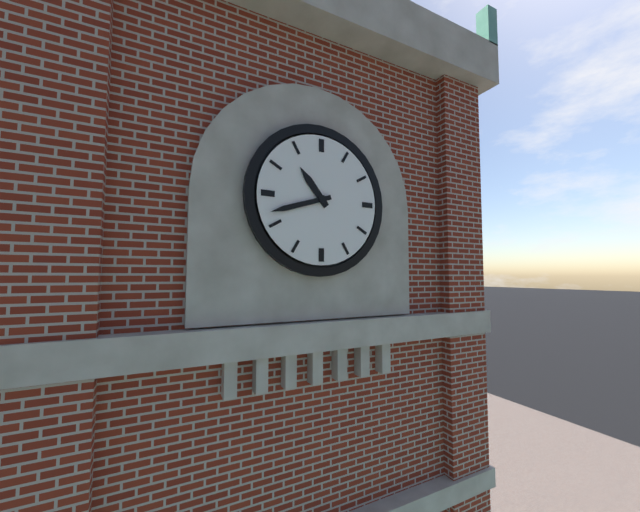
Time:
{"hour": 10, "minute": 42}
